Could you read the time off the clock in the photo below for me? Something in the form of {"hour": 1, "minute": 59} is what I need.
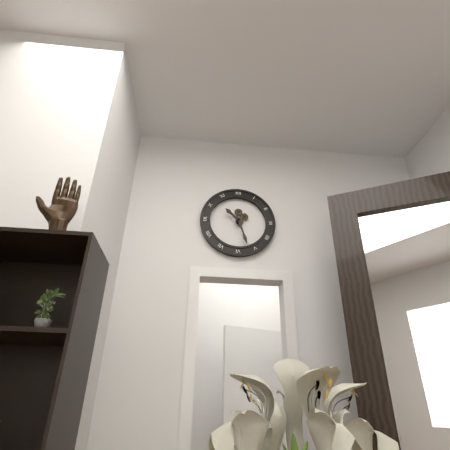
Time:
{"hour": 10, "minute": 27}
